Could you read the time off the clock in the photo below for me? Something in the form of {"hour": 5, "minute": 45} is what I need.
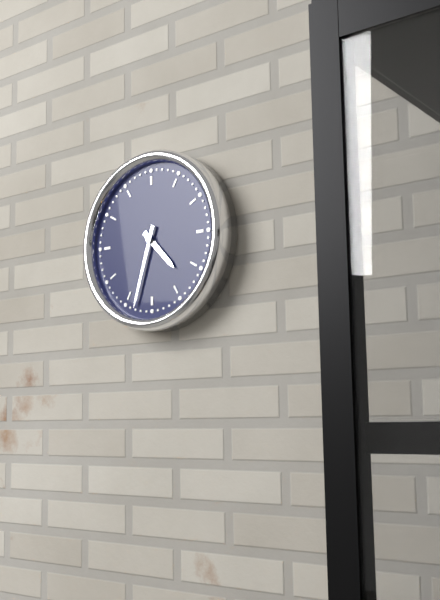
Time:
{"hour": 4, "minute": 33}
